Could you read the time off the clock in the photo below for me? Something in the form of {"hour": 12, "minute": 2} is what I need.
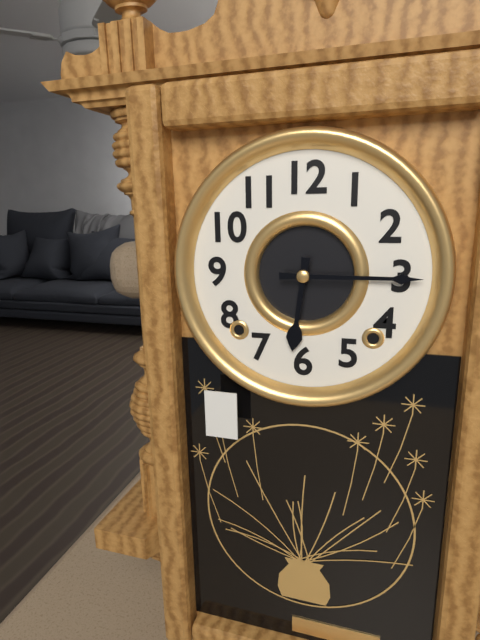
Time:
{"hour": 6, "minute": 15}
